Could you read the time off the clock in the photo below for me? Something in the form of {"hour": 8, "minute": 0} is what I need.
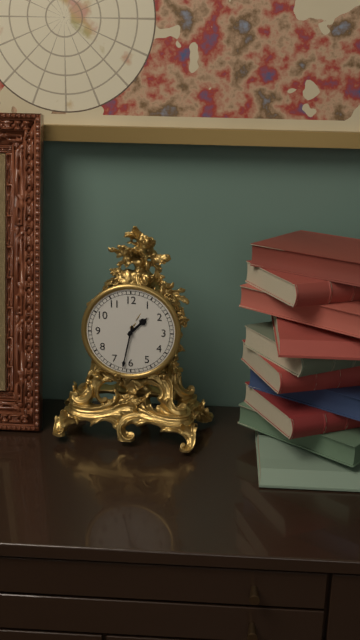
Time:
{"hour": 1, "minute": 32}
